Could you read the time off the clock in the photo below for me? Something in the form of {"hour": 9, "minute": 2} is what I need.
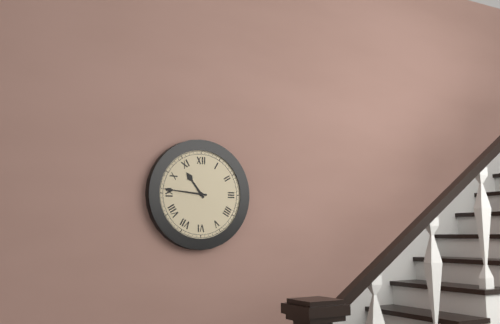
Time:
{"hour": 10, "minute": 46}
